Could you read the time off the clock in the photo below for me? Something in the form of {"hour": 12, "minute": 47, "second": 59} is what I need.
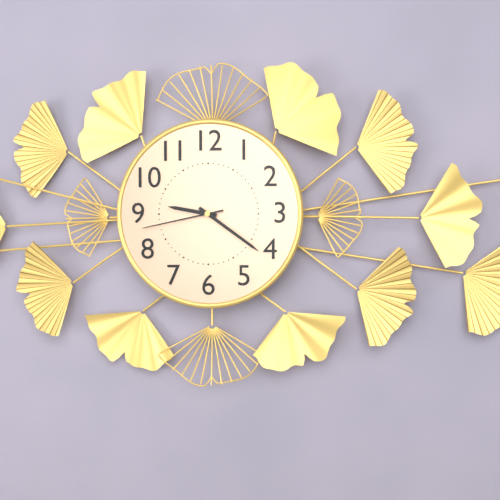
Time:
{"hour": 9, "minute": 21, "second": 43}
